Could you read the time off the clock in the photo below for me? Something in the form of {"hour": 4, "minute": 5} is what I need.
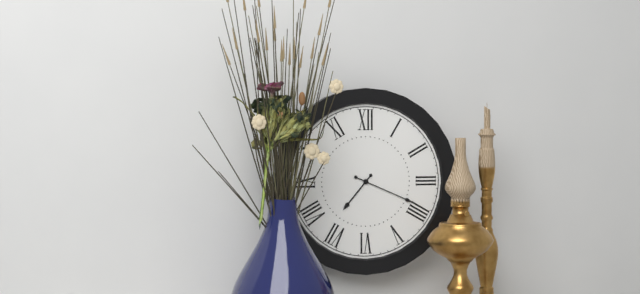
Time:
{"hour": 7, "minute": 19}
